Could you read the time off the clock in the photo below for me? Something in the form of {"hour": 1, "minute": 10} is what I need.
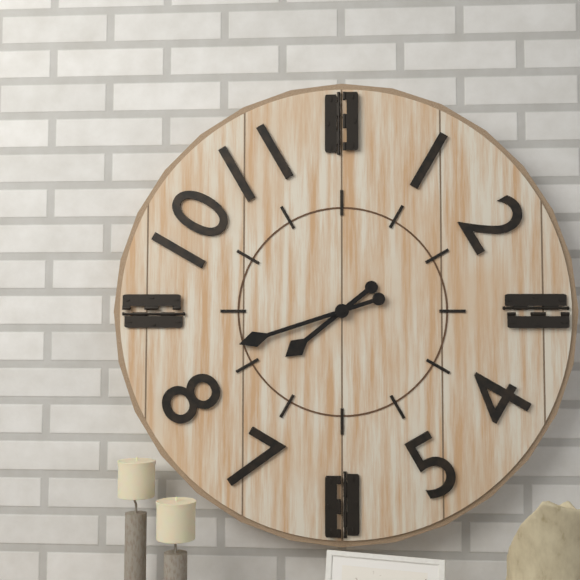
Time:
{"hour": 7, "minute": 42}
